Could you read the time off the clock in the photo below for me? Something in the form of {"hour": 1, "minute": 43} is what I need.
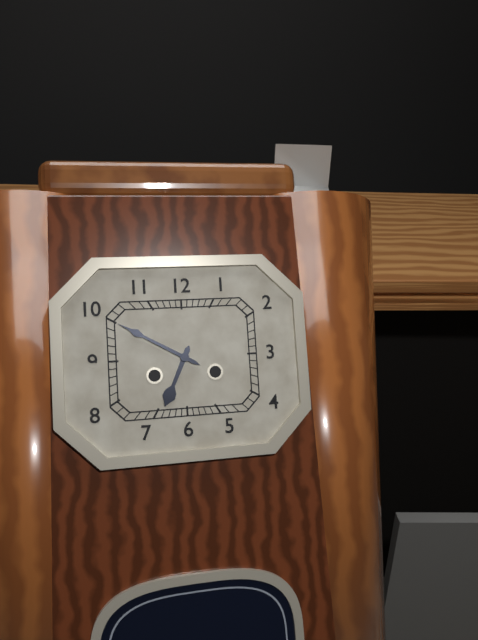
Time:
{"hour": 6, "minute": 50}
